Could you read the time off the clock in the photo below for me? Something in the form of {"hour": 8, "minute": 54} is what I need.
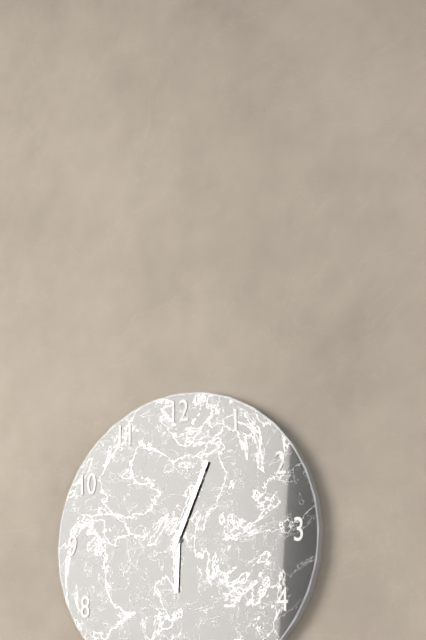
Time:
{"hour": 6, "minute": 4}
